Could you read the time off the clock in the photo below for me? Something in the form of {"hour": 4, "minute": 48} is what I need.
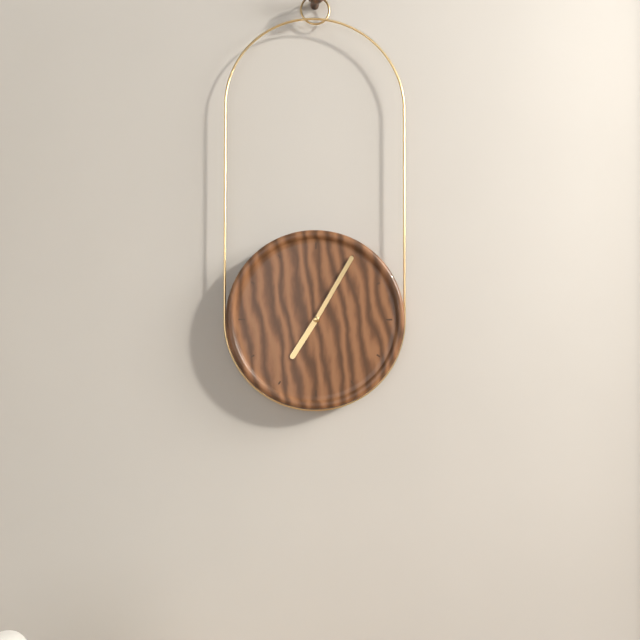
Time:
{"hour": 7, "minute": 5}
